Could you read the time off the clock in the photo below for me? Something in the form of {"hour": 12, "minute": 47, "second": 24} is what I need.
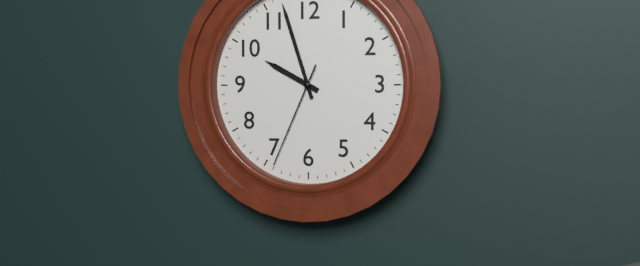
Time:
{"hour": 9, "minute": 57, "second": 34}
